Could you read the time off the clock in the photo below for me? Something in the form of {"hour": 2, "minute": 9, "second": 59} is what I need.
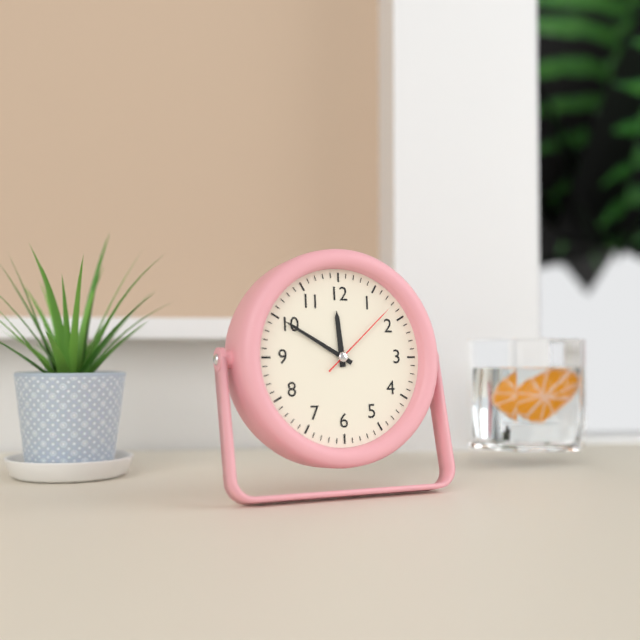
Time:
{"hour": 11, "minute": 50, "second": 8}
